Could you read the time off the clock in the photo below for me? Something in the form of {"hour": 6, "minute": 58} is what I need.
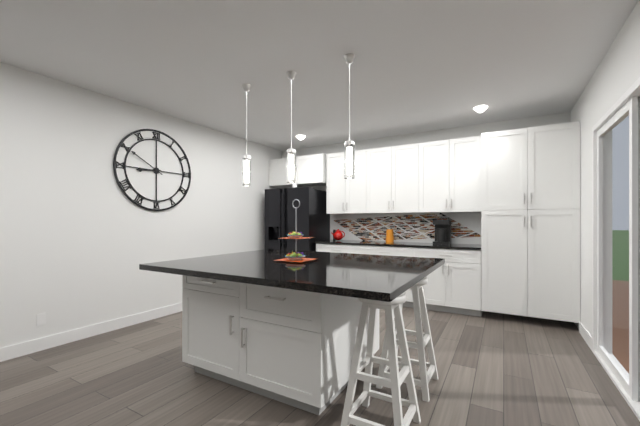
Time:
{"hour": 8, "minute": 50}
